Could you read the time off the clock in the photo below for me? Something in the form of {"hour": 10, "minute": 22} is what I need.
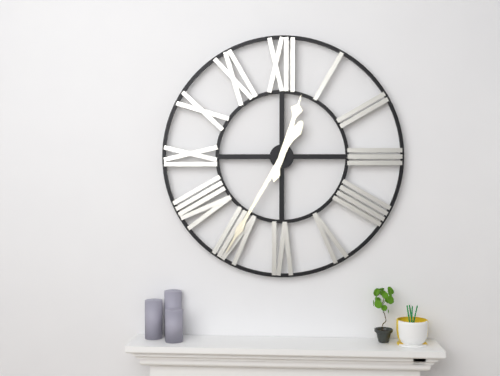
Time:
{"hour": 12, "minute": 35}
